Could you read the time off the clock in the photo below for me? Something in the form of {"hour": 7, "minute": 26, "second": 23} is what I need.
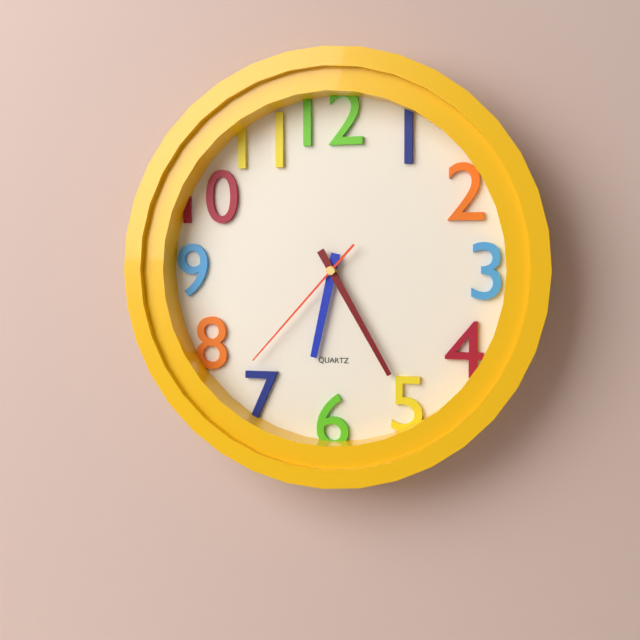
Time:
{"hour": 6, "minute": 25, "second": 37}
